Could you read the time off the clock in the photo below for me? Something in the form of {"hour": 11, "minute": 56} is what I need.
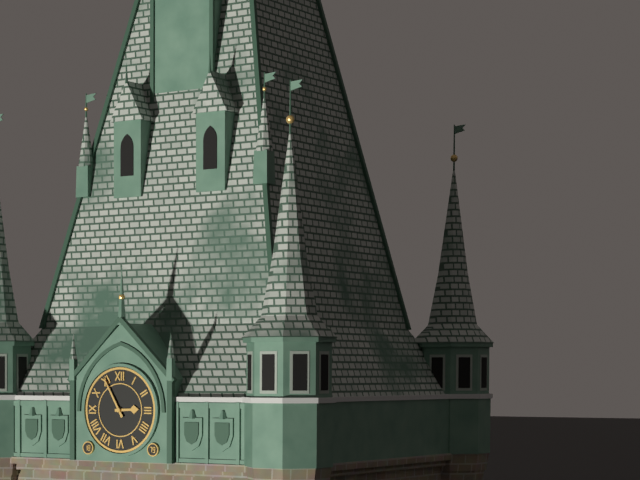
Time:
{"hour": 2, "minute": 55}
